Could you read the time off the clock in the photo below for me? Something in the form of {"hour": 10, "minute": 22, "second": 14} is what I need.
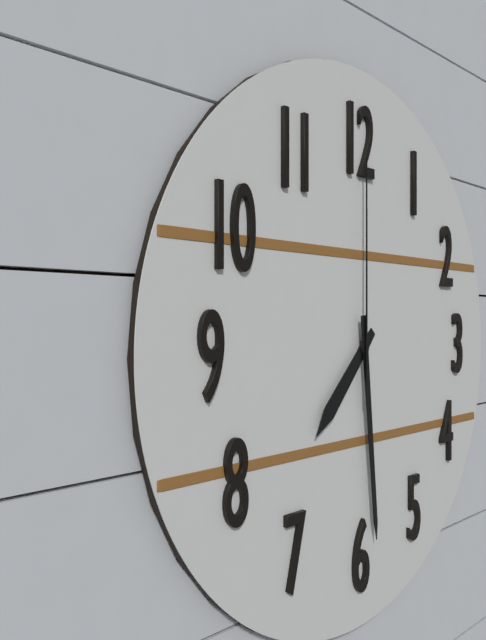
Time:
{"hour": 7, "minute": 29, "second": 0}
